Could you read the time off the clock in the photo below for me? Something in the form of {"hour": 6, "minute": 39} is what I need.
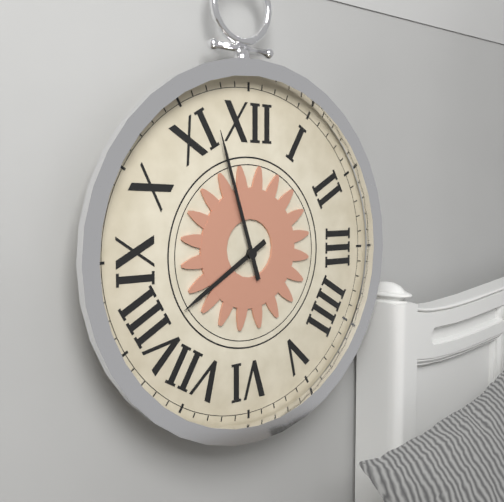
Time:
{"hour": 7, "minute": 57}
